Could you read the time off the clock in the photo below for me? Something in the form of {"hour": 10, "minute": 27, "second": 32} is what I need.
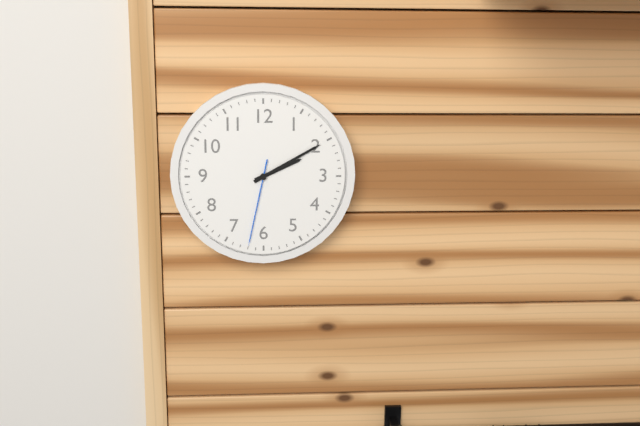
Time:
{"hour": 2, "minute": 10, "second": 32}
